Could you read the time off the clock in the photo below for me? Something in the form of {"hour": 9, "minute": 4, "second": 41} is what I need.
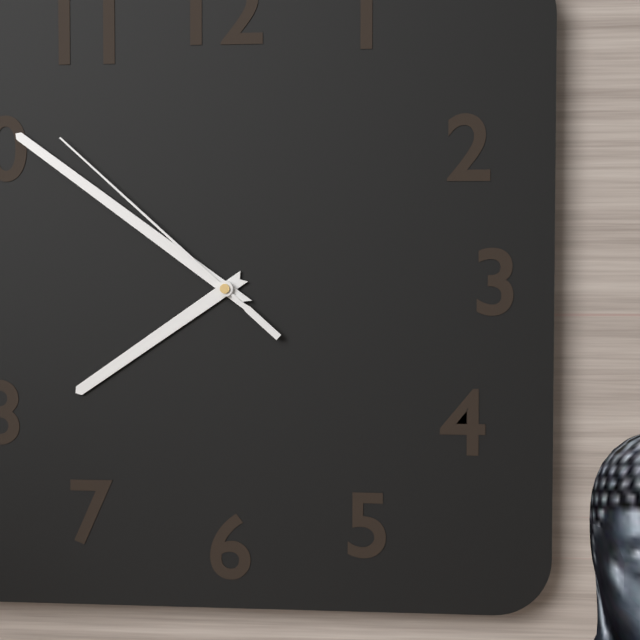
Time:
{"hour": 7, "minute": 51, "second": 52}
